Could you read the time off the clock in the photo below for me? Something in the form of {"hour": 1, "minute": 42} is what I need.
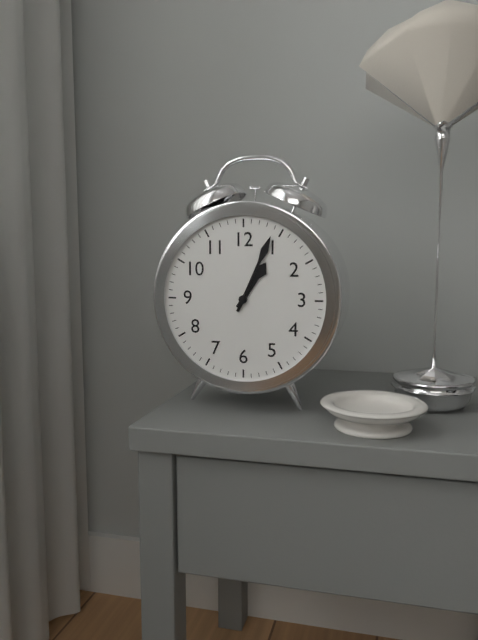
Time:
{"hour": 1, "minute": 4}
